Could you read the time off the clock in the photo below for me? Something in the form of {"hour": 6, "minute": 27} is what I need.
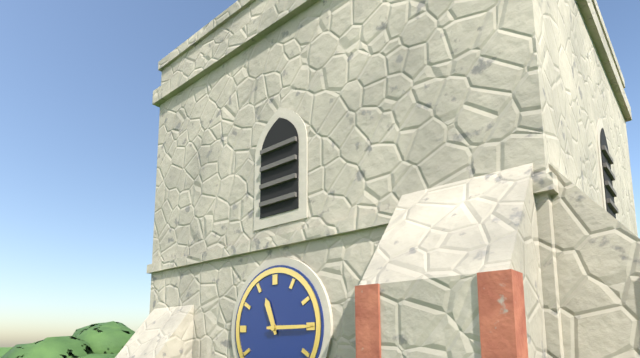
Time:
{"hour": 11, "minute": 15}
